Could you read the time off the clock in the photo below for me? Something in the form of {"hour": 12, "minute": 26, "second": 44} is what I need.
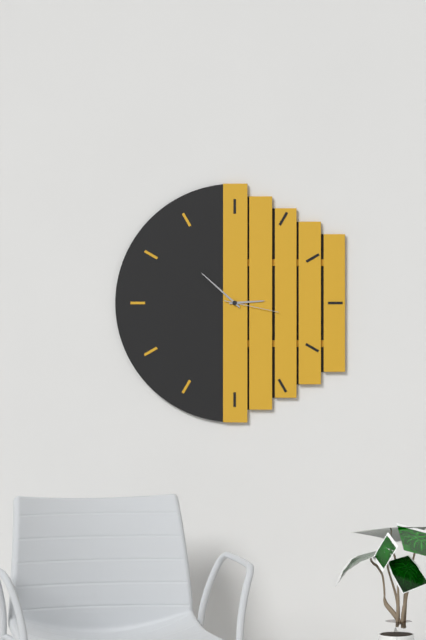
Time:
{"hour": 2, "minute": 52, "second": 17}
